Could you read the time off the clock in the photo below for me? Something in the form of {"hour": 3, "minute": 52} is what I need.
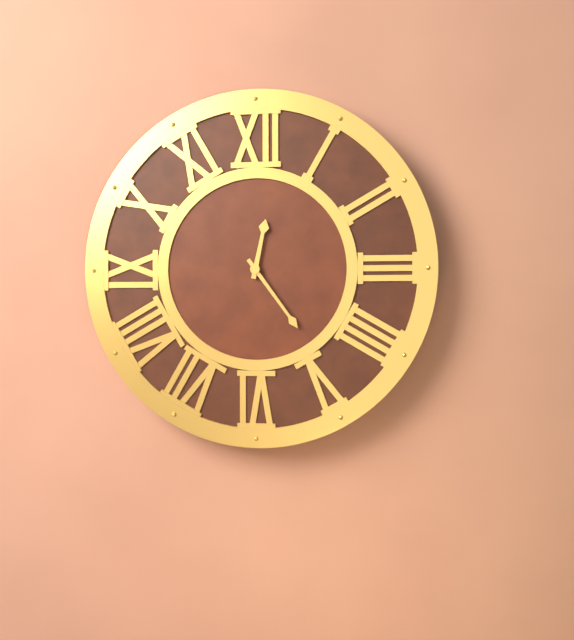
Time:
{"hour": 12, "minute": 24}
